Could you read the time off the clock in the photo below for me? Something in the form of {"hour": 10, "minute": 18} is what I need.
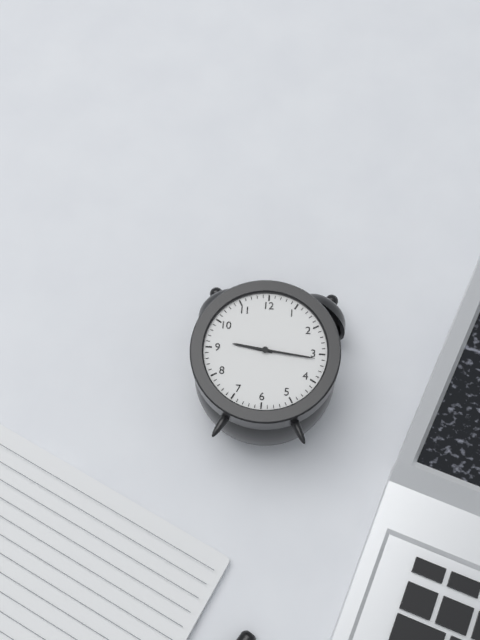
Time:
{"hour": 9, "minute": 16}
